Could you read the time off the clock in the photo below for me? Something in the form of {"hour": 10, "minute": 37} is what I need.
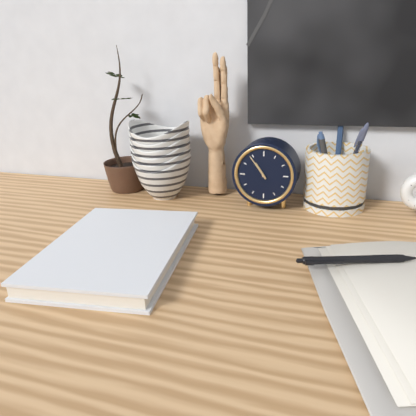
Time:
{"hour": 10, "minute": 54}
